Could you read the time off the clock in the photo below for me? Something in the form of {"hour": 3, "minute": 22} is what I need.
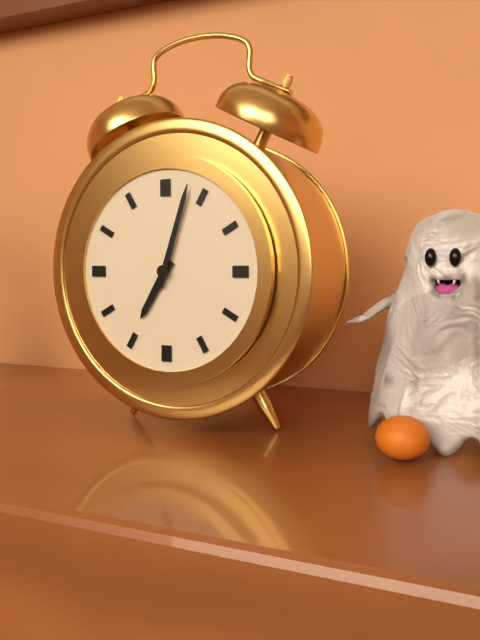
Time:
{"hour": 7, "minute": 3}
